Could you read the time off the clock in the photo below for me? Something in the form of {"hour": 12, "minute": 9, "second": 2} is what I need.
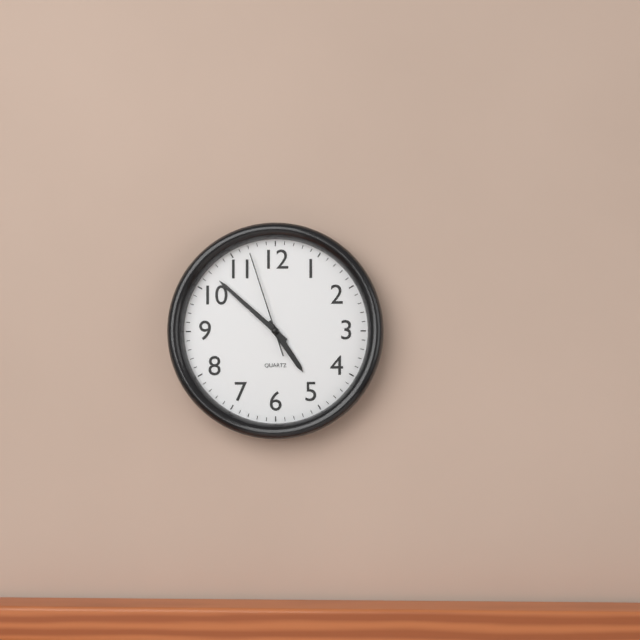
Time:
{"hour": 4, "minute": 52, "second": 57}
